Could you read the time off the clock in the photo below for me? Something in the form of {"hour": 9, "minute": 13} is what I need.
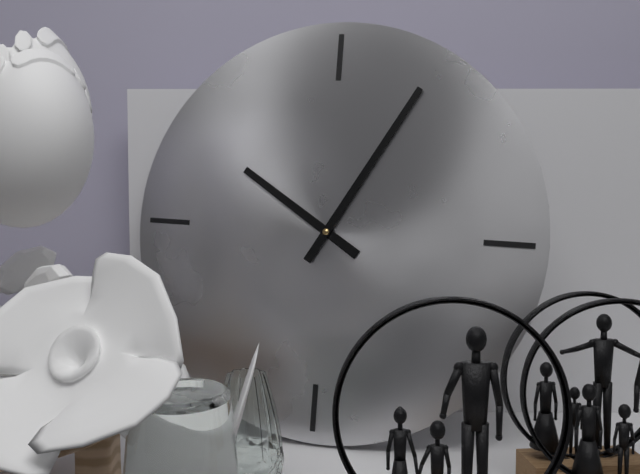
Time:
{"hour": 10, "minute": 5}
